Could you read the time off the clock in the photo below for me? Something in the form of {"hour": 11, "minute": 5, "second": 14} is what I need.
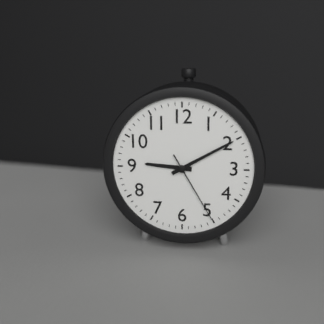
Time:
{"hour": 9, "minute": 10, "second": 25}
